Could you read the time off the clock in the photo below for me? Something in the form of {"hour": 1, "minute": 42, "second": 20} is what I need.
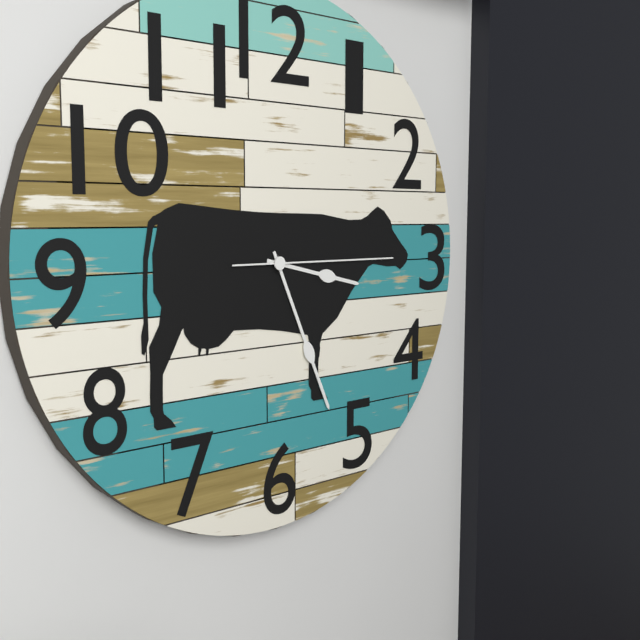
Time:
{"hour": 3, "minute": 26, "second": 15}
